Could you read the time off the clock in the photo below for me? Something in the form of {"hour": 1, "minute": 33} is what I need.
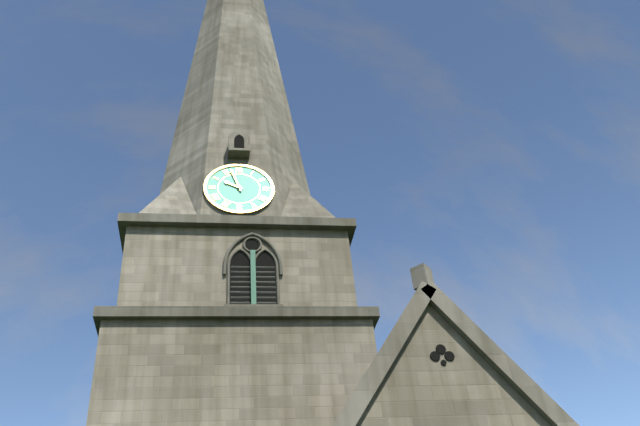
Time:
{"hour": 9, "minute": 57}
